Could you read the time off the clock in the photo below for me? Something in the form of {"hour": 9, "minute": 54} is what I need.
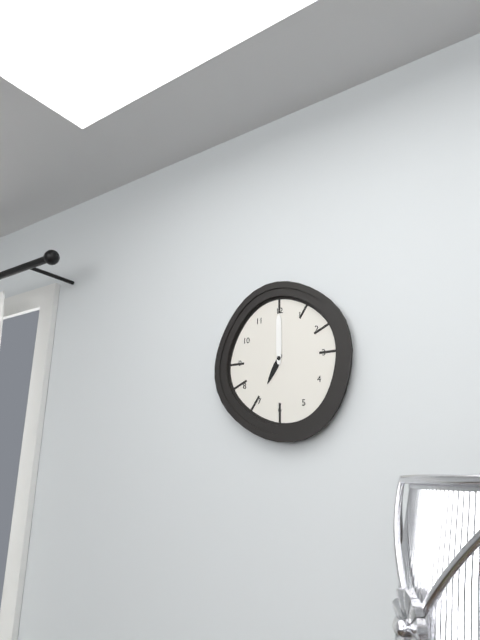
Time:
{"hour": 7, "minute": 0}
